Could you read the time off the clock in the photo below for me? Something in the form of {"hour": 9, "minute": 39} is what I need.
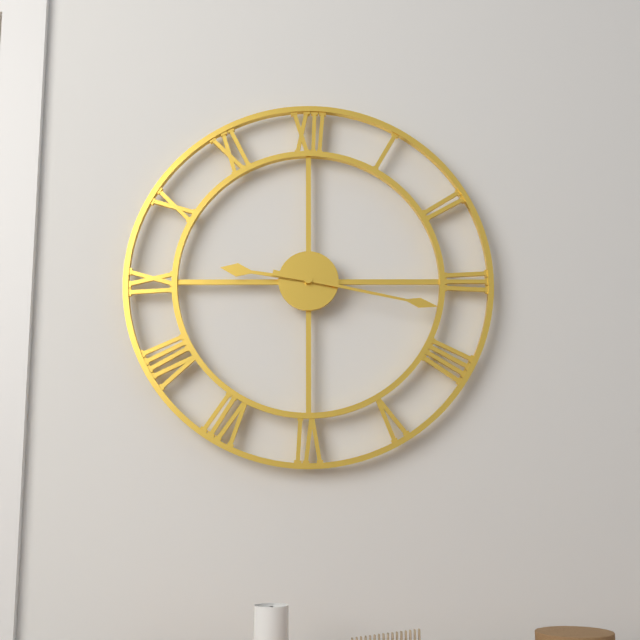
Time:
{"hour": 9, "minute": 17}
